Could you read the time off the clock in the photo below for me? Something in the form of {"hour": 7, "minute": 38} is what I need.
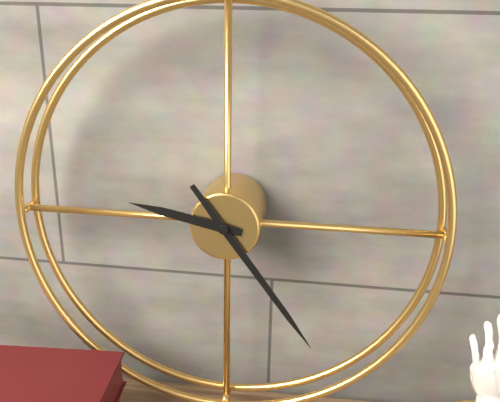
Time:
{"hour": 9, "minute": 24}
